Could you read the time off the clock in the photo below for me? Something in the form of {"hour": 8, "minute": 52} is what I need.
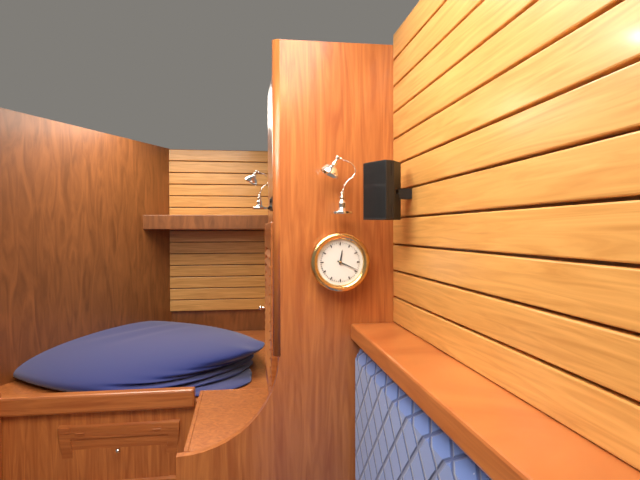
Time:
{"hour": 12, "minute": 19}
